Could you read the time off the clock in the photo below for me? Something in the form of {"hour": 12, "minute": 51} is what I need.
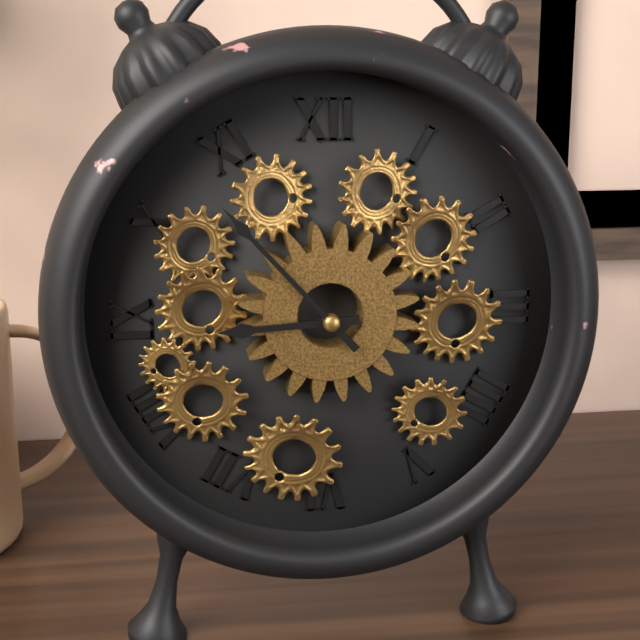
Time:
{"hour": 8, "minute": 53}
